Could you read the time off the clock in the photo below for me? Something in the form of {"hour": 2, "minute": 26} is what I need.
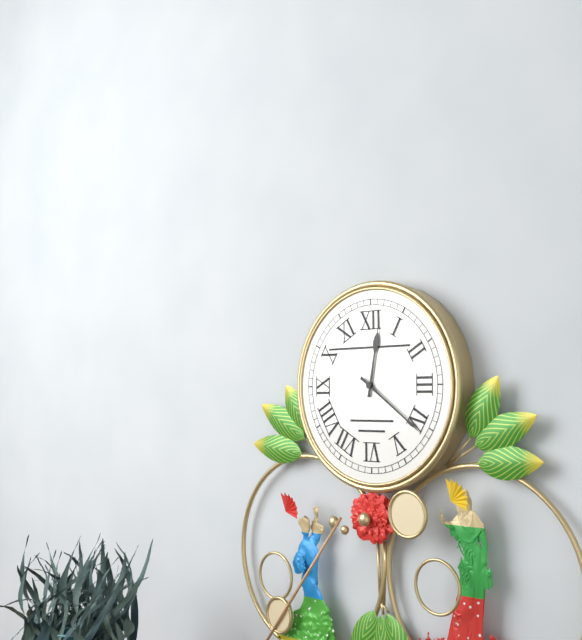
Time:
{"hour": 12, "minute": 21}
